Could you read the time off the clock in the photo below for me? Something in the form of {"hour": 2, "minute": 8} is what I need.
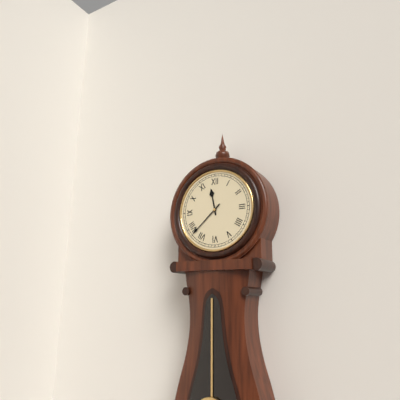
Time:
{"hour": 11, "minute": 38}
